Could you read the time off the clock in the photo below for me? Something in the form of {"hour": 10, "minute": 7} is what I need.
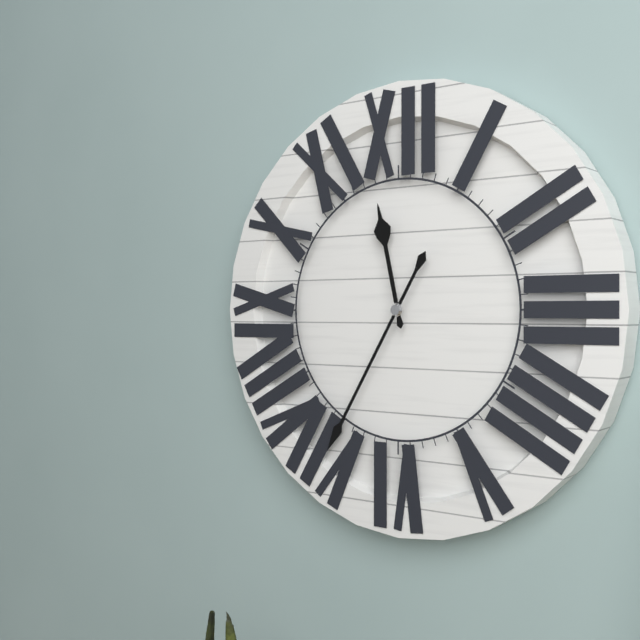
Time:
{"hour": 11, "minute": 35}
